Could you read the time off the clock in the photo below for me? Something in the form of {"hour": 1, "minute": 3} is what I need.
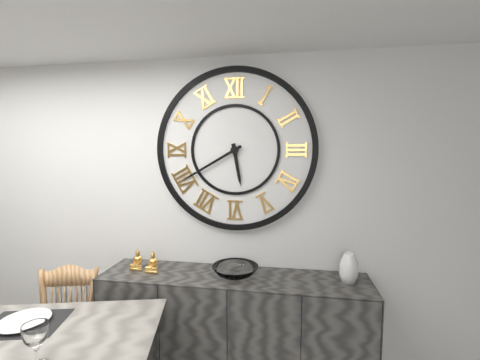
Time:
{"hour": 5, "minute": 40}
